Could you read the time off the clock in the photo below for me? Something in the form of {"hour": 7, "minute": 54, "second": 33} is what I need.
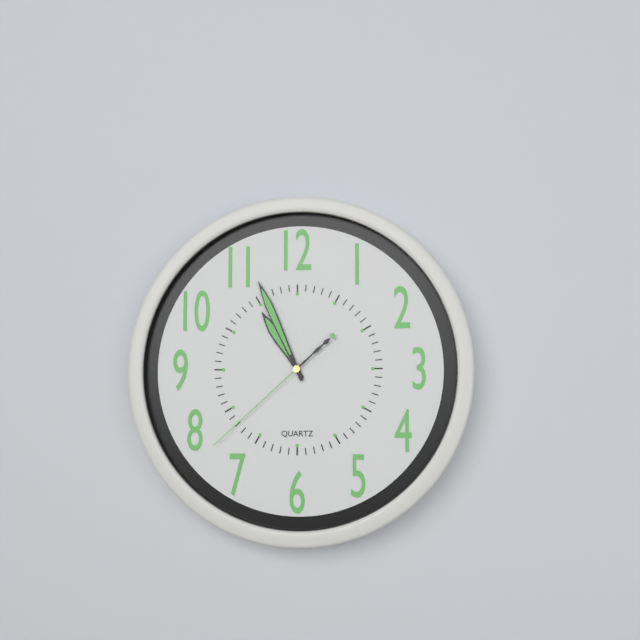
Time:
{"hour": 10, "minute": 56, "second": 38}
